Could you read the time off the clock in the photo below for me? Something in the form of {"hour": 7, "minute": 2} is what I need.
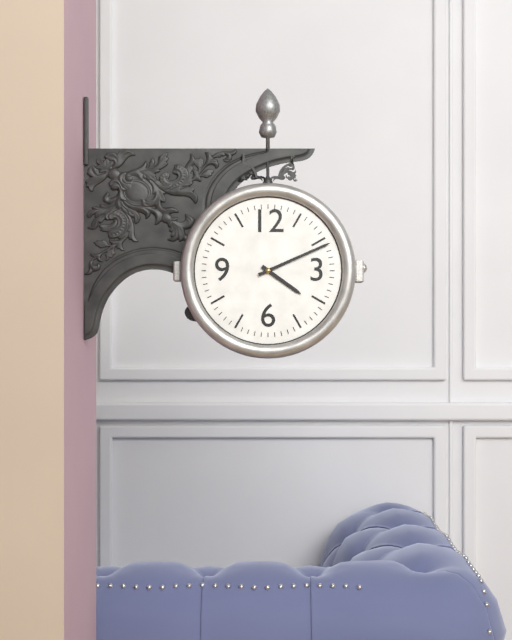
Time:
{"hour": 4, "minute": 11}
